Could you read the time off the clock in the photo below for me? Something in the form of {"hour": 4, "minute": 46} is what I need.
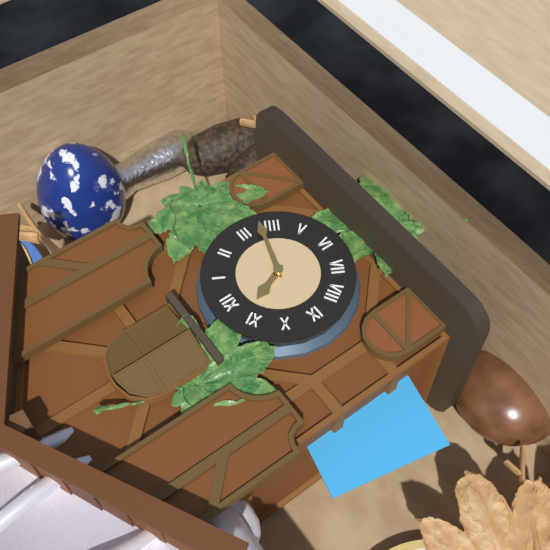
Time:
{"hour": 11, "minute": 18}
